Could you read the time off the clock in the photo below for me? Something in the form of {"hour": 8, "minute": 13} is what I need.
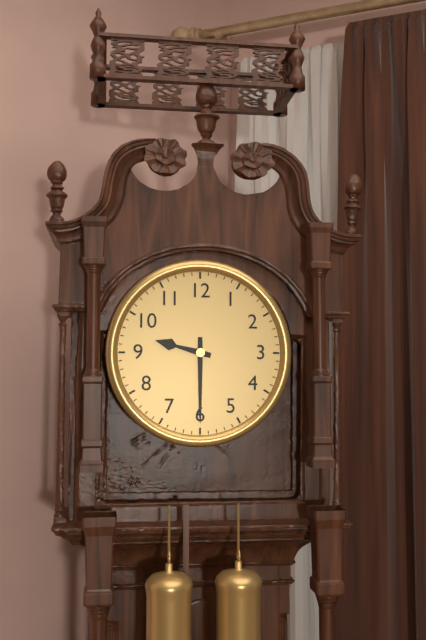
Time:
{"hour": 9, "minute": 30}
